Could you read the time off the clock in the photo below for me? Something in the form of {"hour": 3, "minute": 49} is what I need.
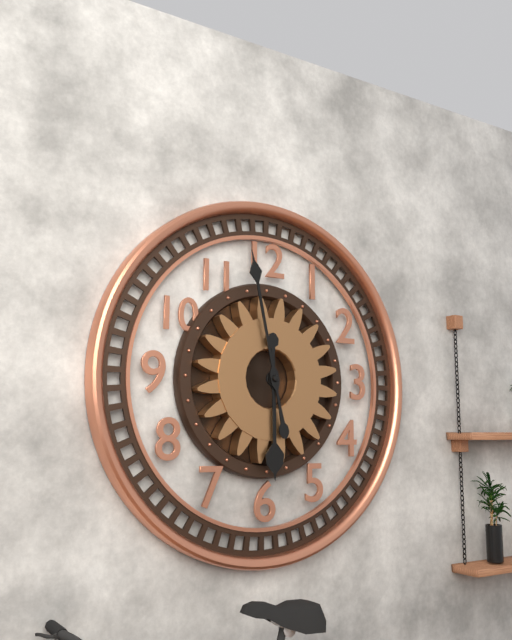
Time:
{"hour": 5, "minute": 58}
